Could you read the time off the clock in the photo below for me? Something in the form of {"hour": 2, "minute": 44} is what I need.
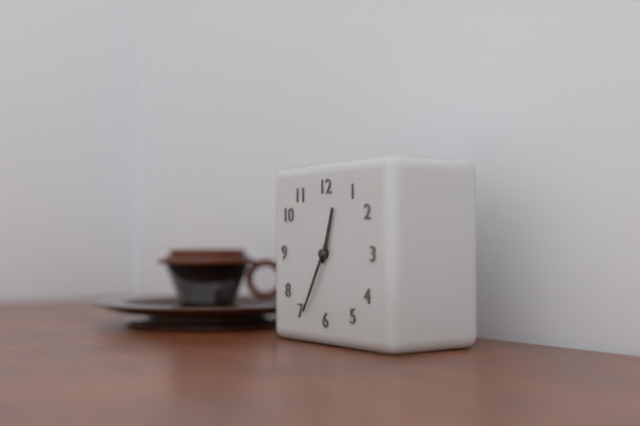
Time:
{"hour": 12, "minute": 35}
